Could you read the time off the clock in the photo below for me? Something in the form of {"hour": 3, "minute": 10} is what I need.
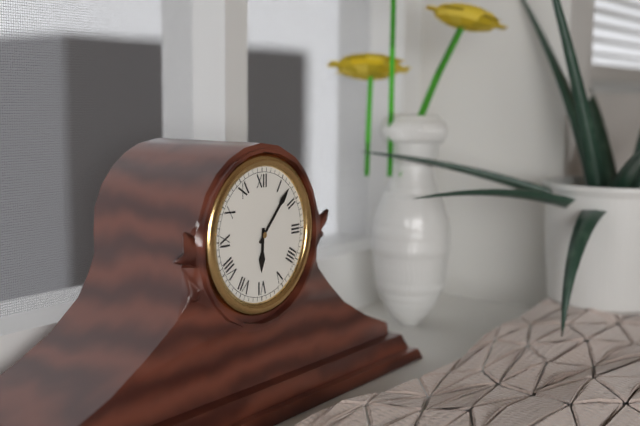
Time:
{"hour": 6, "minute": 7}
